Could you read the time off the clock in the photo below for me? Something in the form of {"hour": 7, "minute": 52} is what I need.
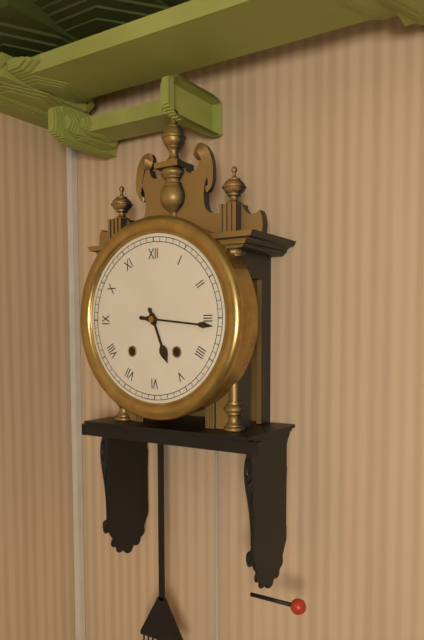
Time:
{"hour": 5, "minute": 16}
